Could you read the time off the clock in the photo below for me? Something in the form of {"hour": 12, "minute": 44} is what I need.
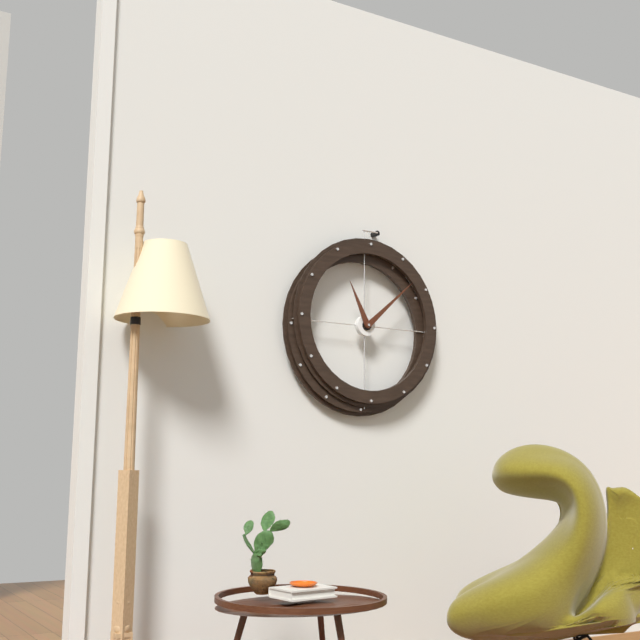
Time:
{"hour": 11, "minute": 8}
